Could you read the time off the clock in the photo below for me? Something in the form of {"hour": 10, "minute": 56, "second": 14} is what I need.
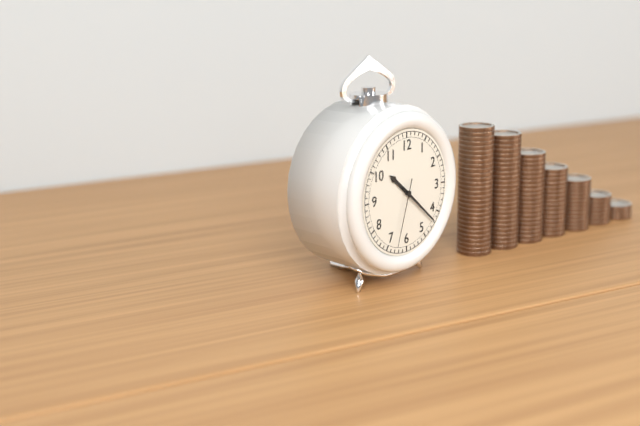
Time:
{"hour": 10, "minute": 22, "second": 33}
